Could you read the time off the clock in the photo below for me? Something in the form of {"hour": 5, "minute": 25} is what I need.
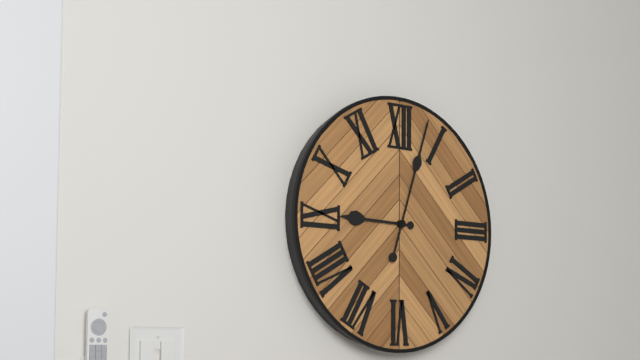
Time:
{"hour": 9, "minute": 3}
